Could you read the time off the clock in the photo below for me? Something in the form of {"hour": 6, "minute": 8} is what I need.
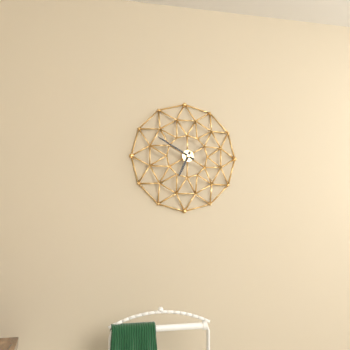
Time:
{"hour": 6, "minute": 50}
